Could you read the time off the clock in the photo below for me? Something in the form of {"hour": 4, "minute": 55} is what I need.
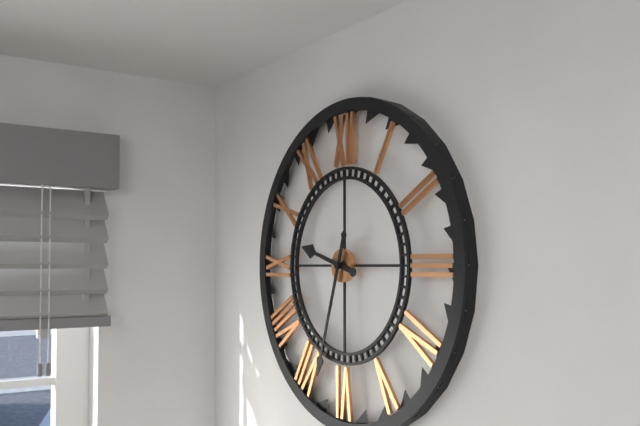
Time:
{"hour": 9, "minute": 33}
